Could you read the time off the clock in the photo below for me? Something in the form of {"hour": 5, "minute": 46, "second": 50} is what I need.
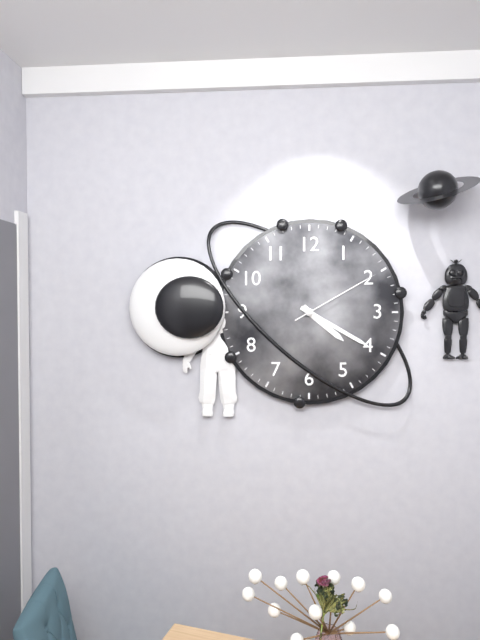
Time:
{"hour": 4, "minute": 20, "second": 10}
